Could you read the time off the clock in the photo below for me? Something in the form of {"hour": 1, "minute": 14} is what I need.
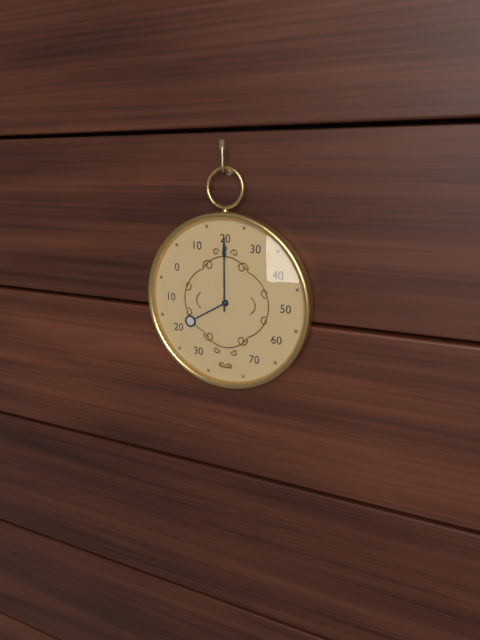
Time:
{"hour": 8, "minute": 0}
